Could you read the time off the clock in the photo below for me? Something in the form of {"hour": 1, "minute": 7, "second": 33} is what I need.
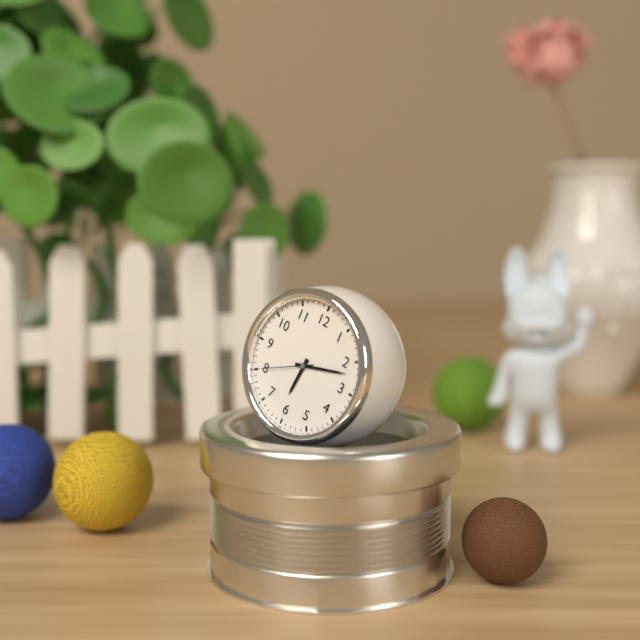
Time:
{"hour": 6, "minute": 12, "second": 40}
